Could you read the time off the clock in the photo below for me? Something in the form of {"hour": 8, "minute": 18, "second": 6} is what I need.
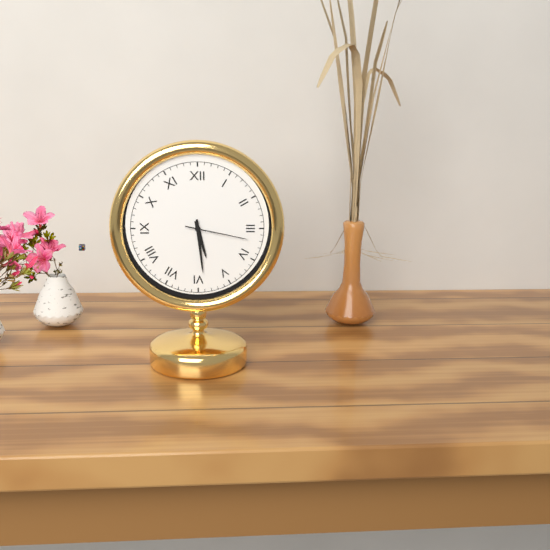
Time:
{"hour": 5, "minute": 29, "second": 17}
